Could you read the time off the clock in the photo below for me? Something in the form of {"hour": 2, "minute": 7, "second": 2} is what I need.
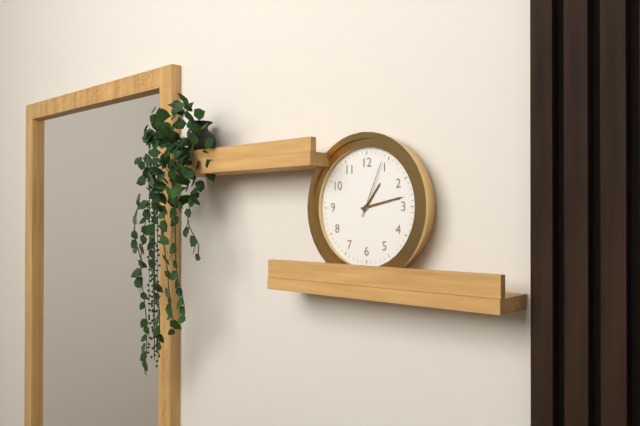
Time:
{"hour": 1, "minute": 13, "second": 4}
